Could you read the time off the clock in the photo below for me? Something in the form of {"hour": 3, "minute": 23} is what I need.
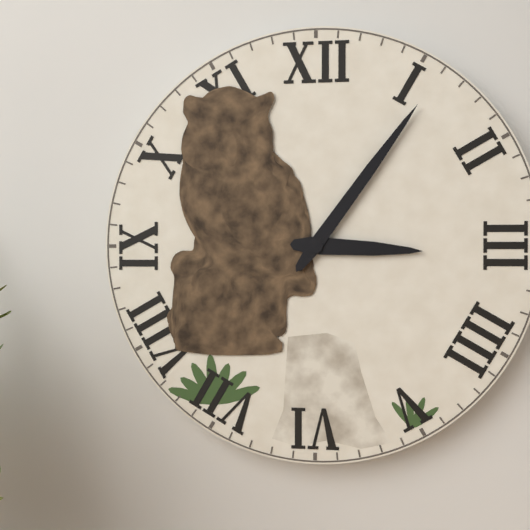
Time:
{"hour": 3, "minute": 6}
